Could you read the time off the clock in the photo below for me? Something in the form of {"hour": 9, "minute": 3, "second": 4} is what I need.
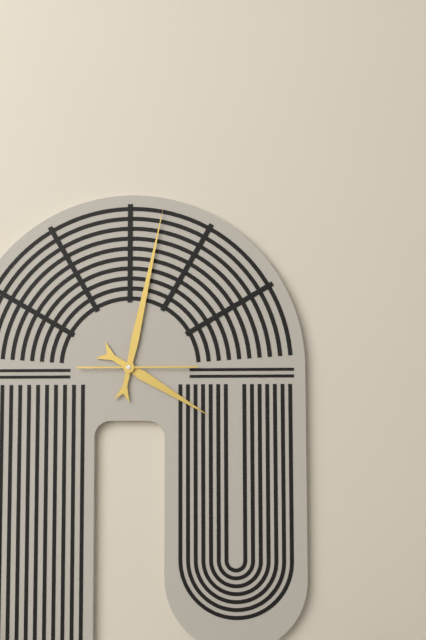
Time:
{"hour": 4, "minute": 2, "second": 15}
